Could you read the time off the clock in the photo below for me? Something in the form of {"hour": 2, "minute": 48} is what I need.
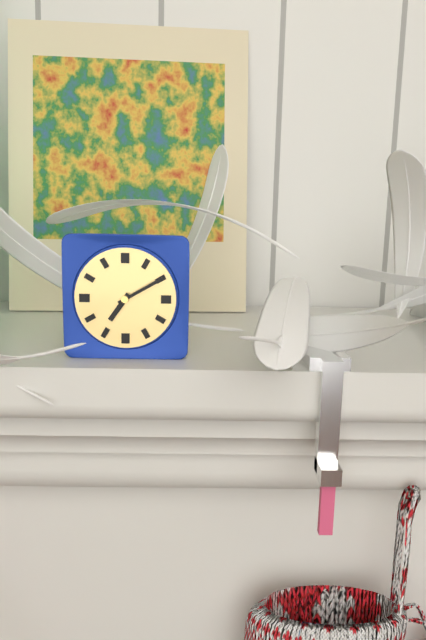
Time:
{"hour": 7, "minute": 10}
